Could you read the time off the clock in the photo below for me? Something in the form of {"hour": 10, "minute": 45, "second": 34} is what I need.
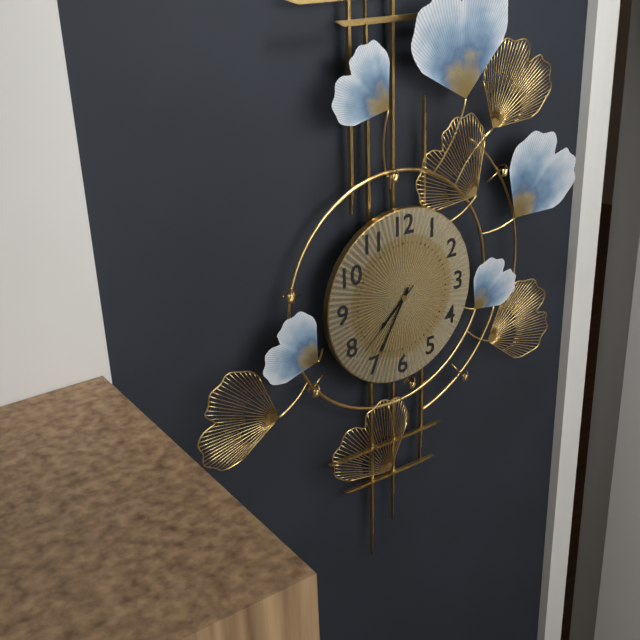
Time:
{"hour": 7, "minute": 35, "second": 38}
